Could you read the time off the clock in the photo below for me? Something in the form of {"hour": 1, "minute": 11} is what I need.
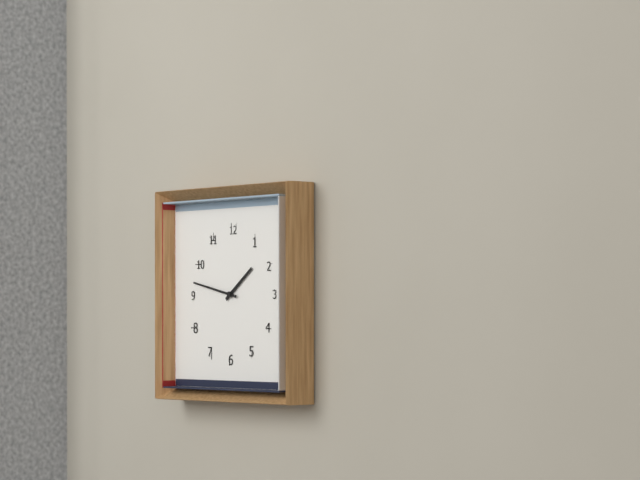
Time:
{"hour": 1, "minute": 47}
